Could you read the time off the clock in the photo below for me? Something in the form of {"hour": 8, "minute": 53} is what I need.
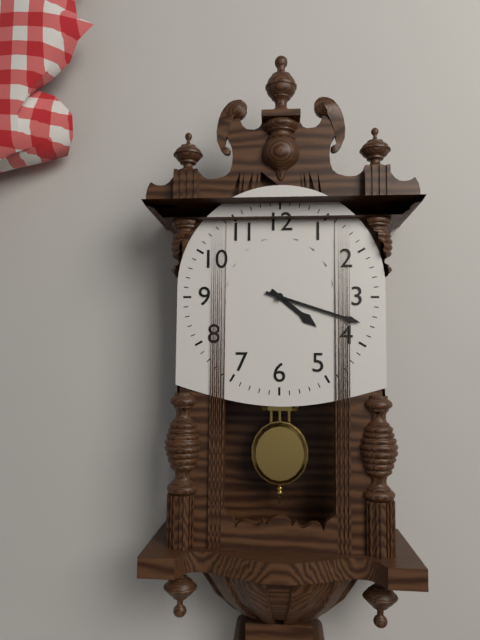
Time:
{"hour": 4, "minute": 18}
